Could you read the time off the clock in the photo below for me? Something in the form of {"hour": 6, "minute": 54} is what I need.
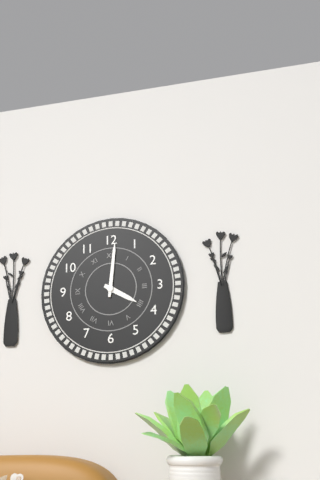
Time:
{"hour": 4, "minute": 1}
